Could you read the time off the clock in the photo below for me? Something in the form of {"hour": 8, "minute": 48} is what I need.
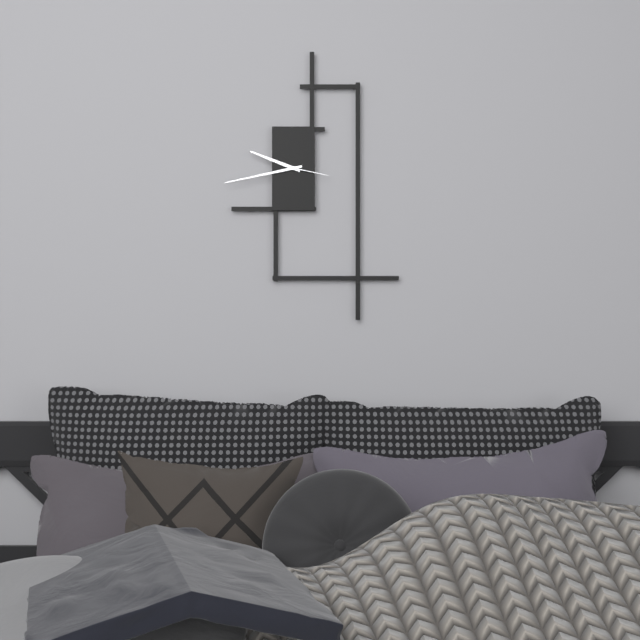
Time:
{"hour": 9, "minute": 43}
